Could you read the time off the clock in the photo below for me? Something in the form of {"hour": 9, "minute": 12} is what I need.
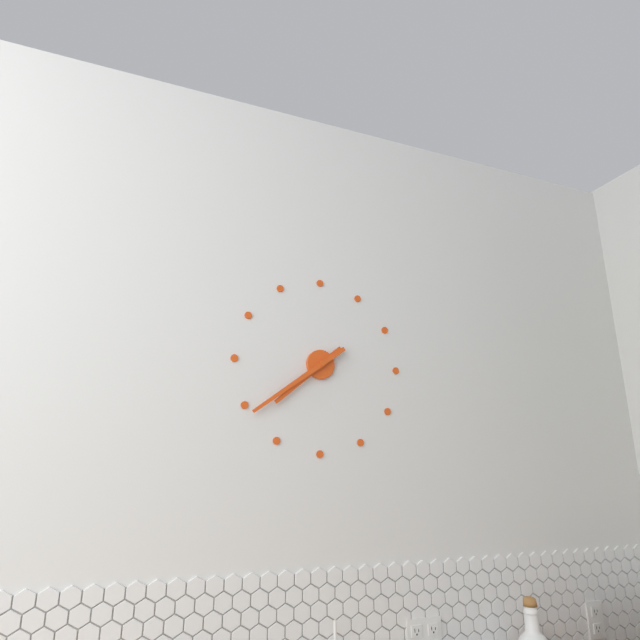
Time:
{"hour": 7, "minute": 39}
